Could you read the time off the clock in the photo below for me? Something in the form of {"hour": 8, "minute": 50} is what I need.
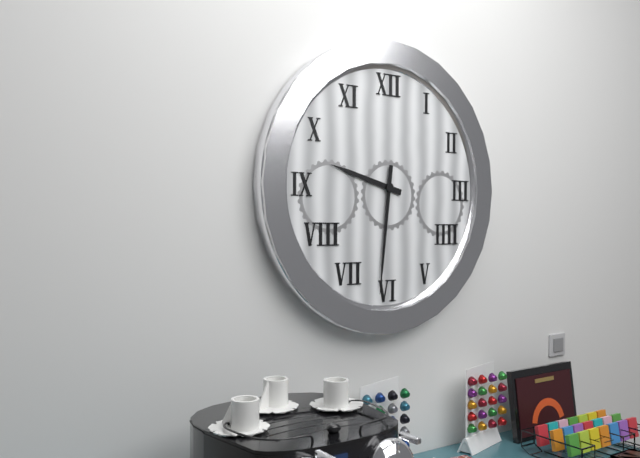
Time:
{"hour": 9, "minute": 31}
